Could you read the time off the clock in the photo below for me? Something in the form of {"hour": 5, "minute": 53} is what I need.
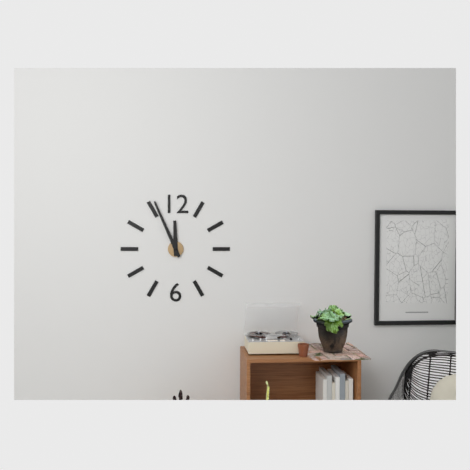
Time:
{"hour": 11, "minute": 56}
